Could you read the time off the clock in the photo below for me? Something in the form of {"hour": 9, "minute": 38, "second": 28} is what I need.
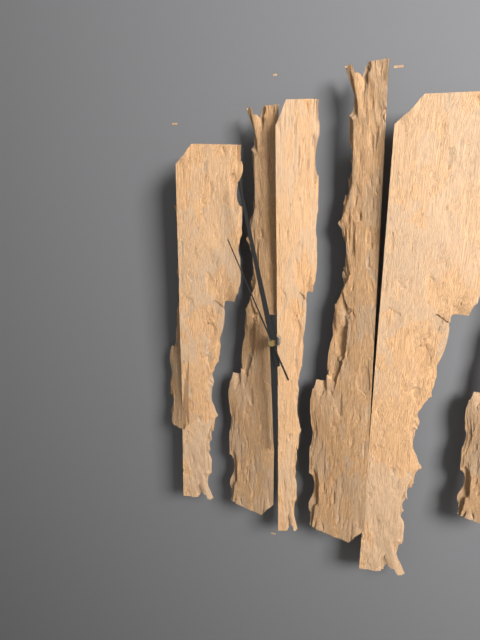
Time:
{"hour": 5, "minute": 58, "second": 56}
